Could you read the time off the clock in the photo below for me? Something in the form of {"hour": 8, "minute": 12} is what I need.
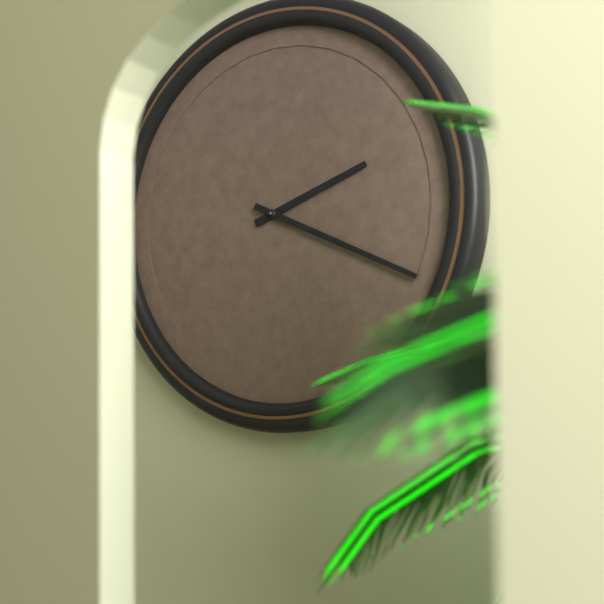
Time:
{"hour": 2, "minute": 19}
